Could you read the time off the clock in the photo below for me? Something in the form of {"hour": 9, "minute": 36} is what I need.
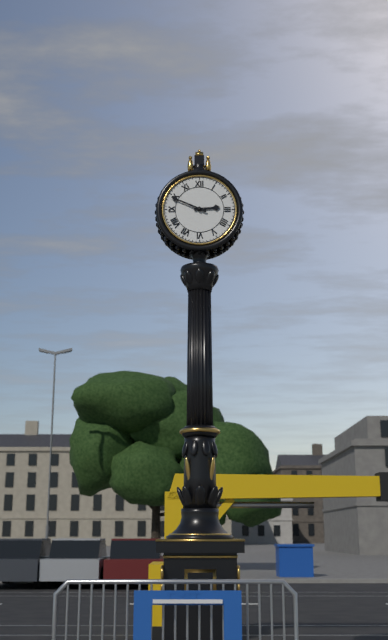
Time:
{"hour": 2, "minute": 49}
